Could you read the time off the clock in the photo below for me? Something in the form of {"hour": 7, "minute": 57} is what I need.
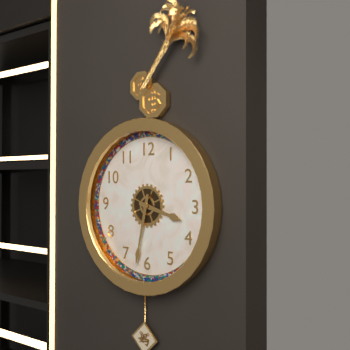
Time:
{"hour": 3, "minute": 32}
